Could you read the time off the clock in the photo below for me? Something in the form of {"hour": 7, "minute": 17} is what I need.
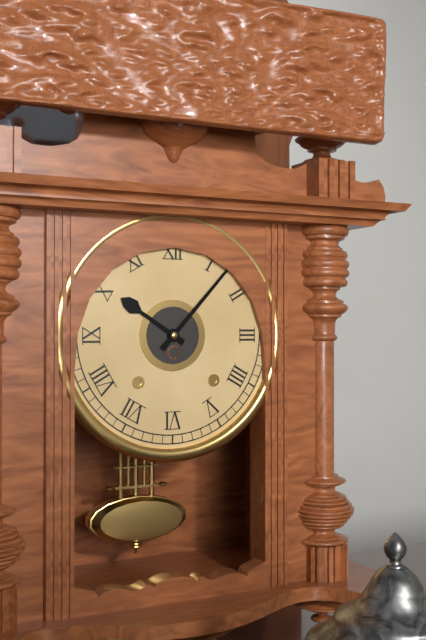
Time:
{"hour": 10, "minute": 7}
